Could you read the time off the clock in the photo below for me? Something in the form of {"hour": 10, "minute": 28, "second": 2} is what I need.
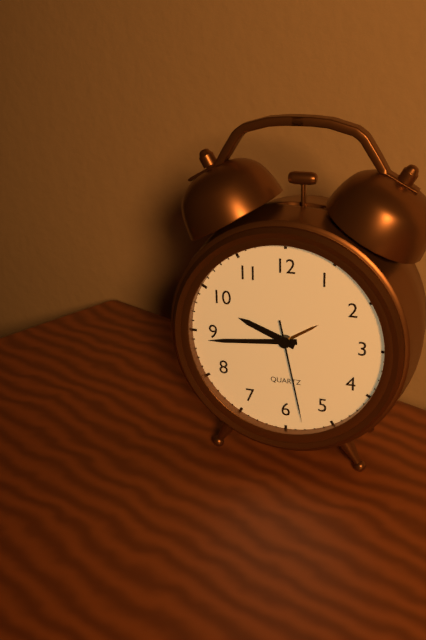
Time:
{"hour": 9, "minute": 44, "second": 28}
